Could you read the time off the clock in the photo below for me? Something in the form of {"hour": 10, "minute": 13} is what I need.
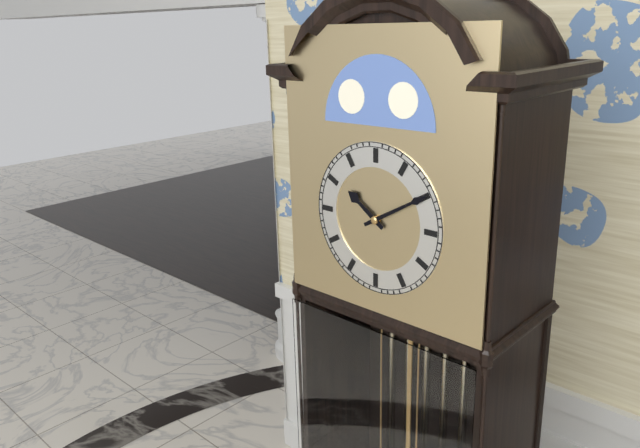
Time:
{"hour": 10, "minute": 10}
